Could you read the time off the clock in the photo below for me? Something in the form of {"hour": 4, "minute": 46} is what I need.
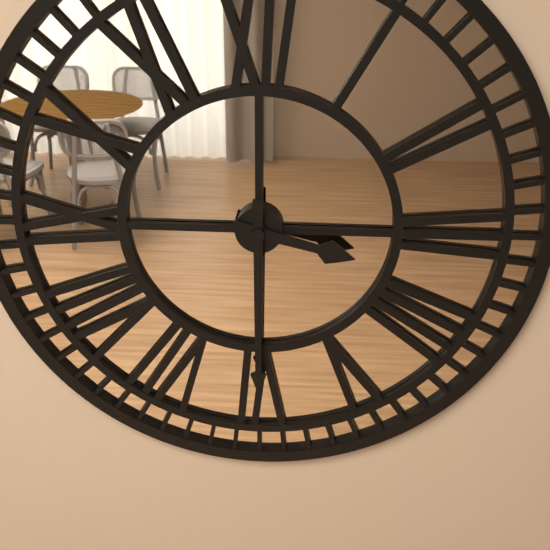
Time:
{"hour": 3, "minute": 30}
